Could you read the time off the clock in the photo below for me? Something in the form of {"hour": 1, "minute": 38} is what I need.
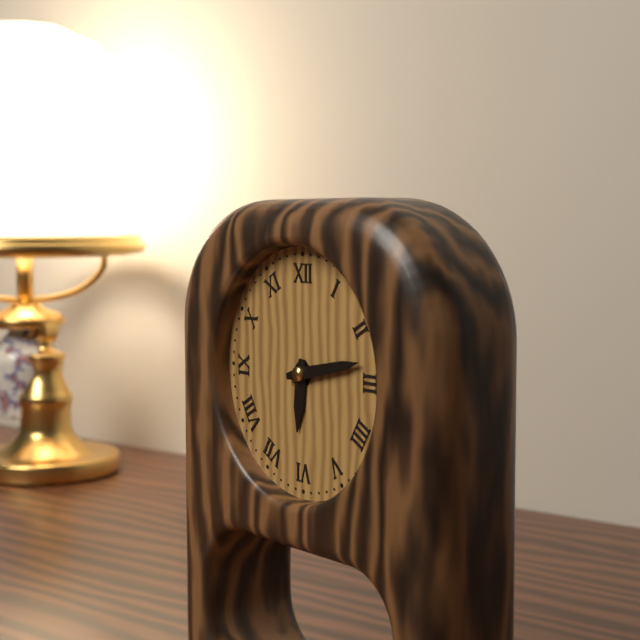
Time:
{"hour": 6, "minute": 13}
